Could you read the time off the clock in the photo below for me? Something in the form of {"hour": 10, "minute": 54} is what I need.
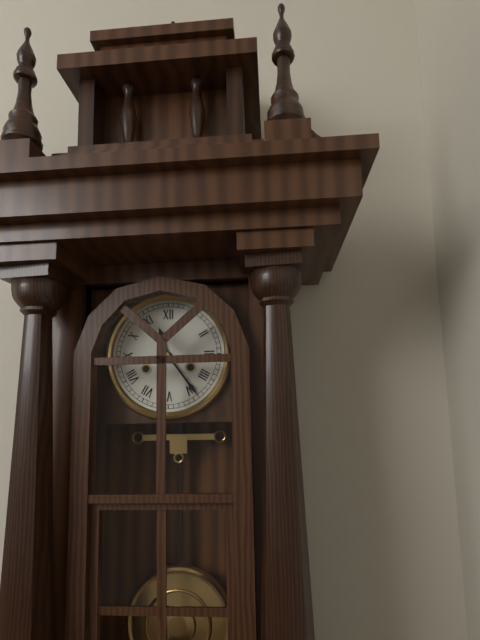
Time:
{"hour": 11, "minute": 24}
